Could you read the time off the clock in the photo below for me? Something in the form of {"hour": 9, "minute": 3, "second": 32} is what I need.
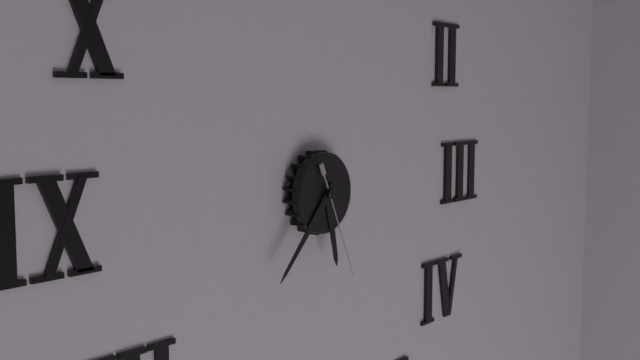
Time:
{"hour": 5, "minute": 37, "second": 26}
